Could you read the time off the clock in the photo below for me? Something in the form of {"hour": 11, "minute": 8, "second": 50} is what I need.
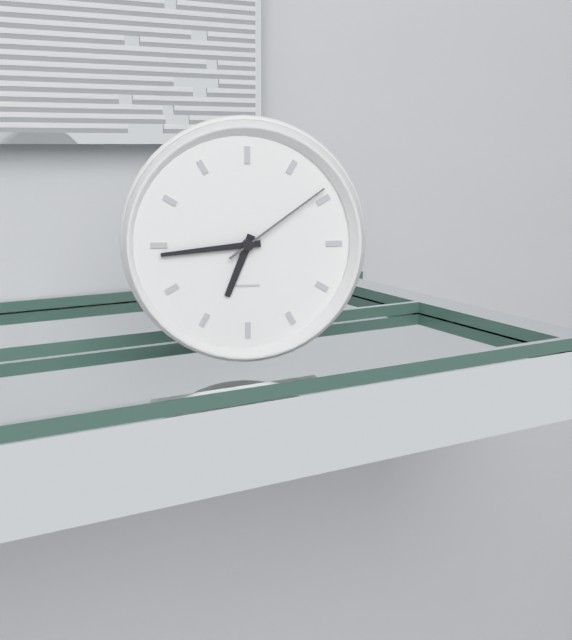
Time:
{"hour": 6, "minute": 44, "second": 9}
